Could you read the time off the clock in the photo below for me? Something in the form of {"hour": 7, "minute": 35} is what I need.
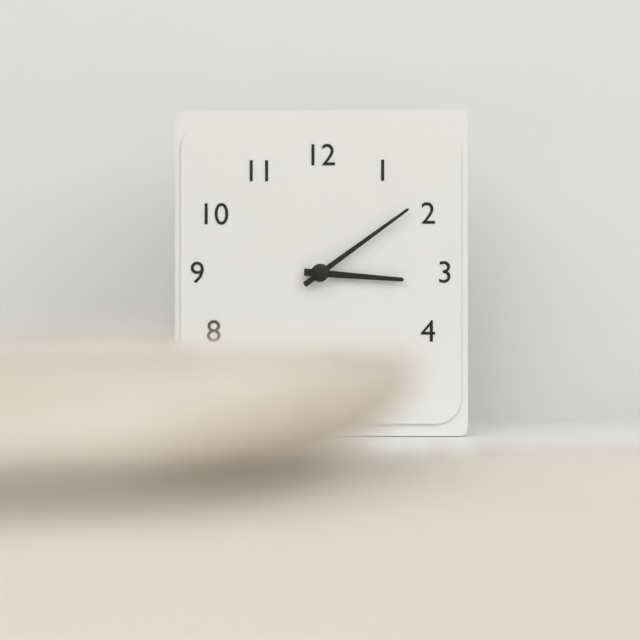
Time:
{"hour": 3, "minute": 9}
